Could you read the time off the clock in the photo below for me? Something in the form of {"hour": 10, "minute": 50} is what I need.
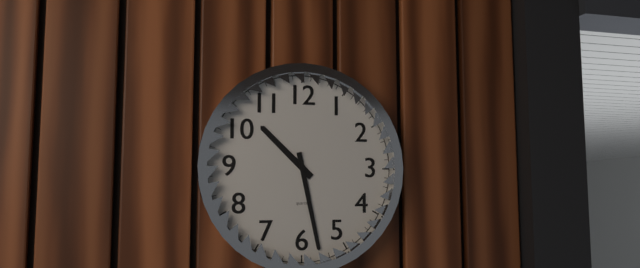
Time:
{"hour": 10, "minute": 28}
